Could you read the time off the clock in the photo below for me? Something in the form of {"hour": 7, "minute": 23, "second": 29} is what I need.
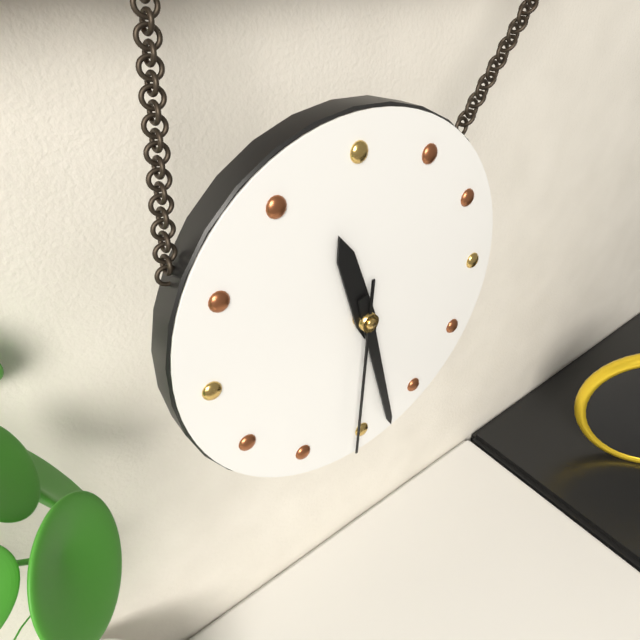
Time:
{"hour": 11, "minute": 28, "second": 31}
